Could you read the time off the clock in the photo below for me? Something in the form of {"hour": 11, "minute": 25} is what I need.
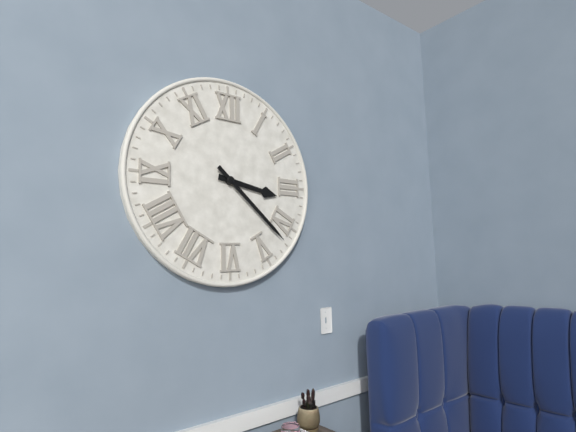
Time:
{"hour": 3, "minute": 22}
